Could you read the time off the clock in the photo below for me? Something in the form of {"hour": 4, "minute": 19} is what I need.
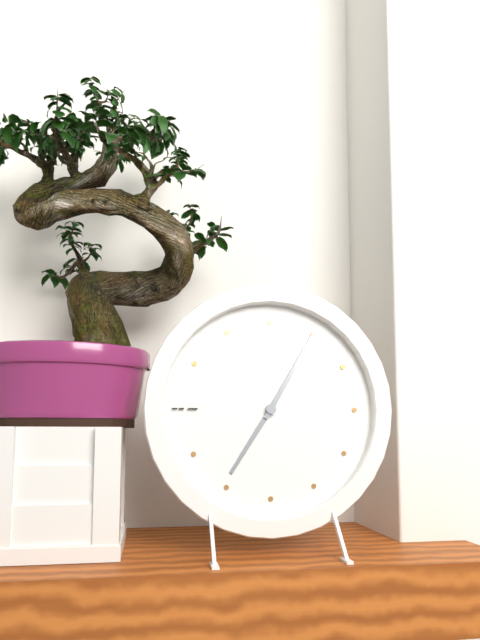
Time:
{"hour": 7, "minute": 5}
